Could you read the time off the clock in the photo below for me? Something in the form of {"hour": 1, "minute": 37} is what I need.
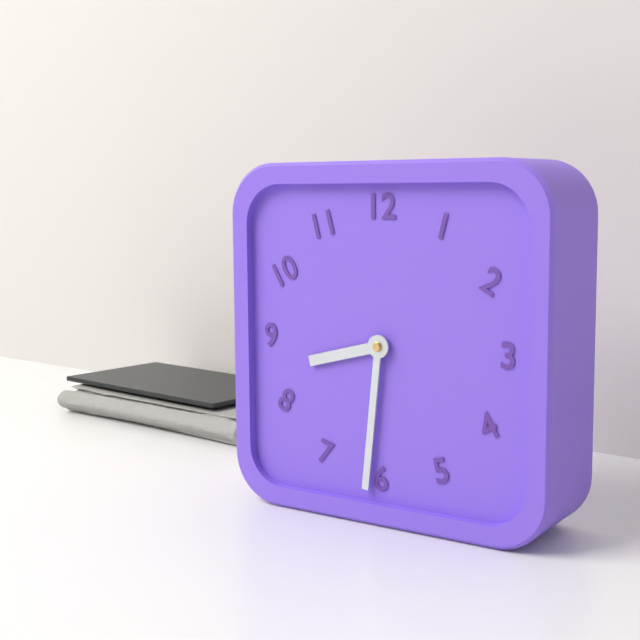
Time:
{"hour": 8, "minute": 31}
